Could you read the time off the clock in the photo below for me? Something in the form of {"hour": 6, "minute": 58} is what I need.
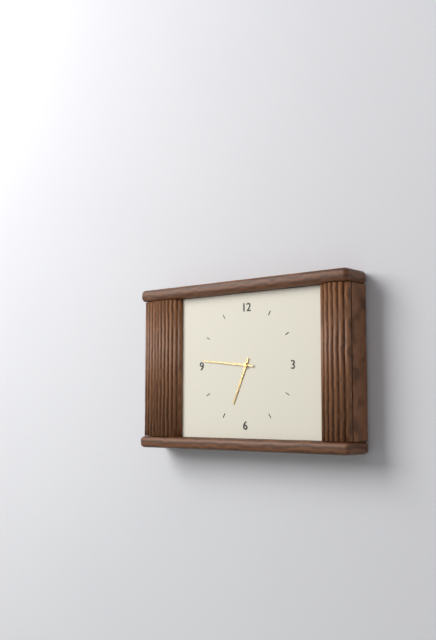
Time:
{"hour": 6, "minute": 46}
